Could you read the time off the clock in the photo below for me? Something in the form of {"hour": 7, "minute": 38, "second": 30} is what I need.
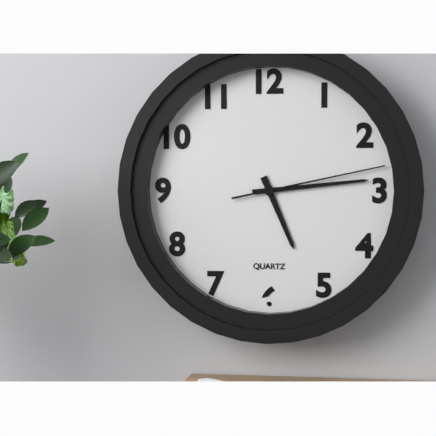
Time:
{"hour": 5, "minute": 14, "second": 13}
